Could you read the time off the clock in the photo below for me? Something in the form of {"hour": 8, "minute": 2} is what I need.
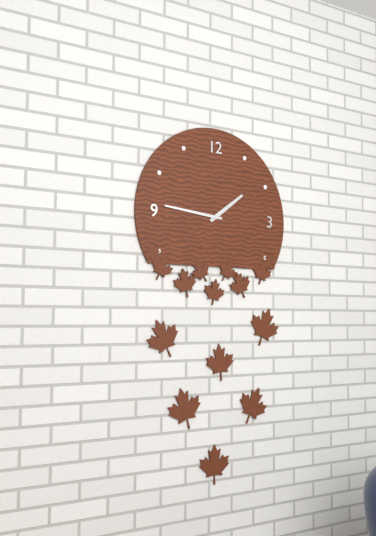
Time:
{"hour": 1, "minute": 46}
